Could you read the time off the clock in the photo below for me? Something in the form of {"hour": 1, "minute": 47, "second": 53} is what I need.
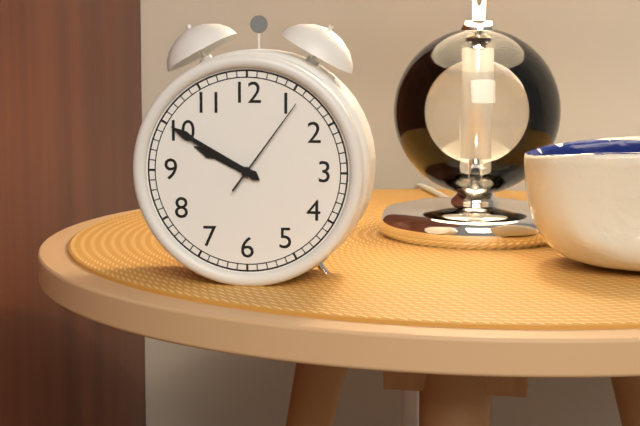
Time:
{"hour": 9, "minute": 50, "second": 6}
